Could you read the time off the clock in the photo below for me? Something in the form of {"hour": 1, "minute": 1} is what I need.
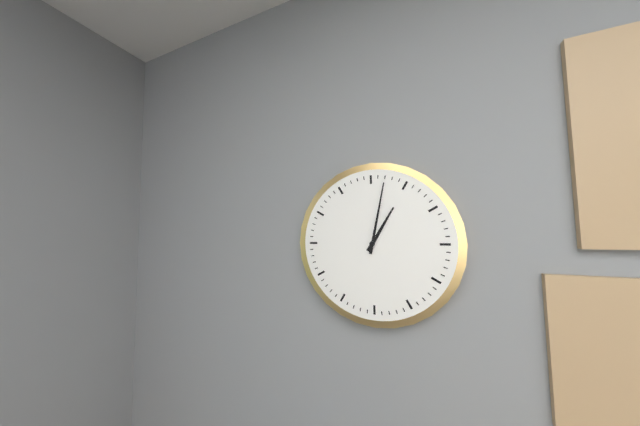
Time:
{"hour": 1, "minute": 2}
